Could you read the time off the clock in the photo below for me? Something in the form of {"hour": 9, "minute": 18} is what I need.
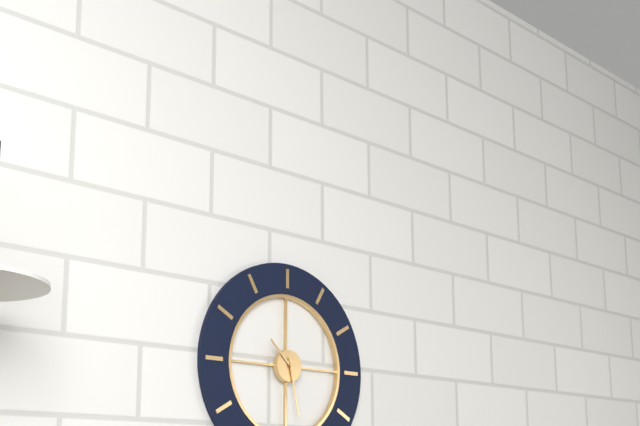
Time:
{"hour": 10, "minute": 28}
